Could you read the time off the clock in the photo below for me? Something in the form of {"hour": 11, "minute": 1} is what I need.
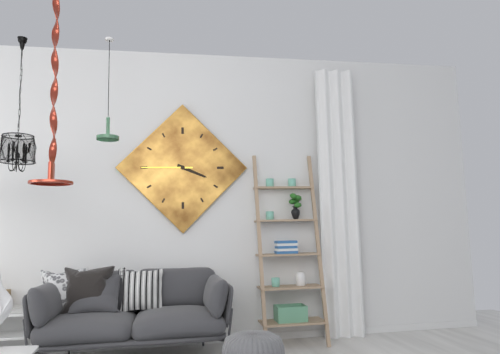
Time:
{"hour": 3, "minute": 45}
